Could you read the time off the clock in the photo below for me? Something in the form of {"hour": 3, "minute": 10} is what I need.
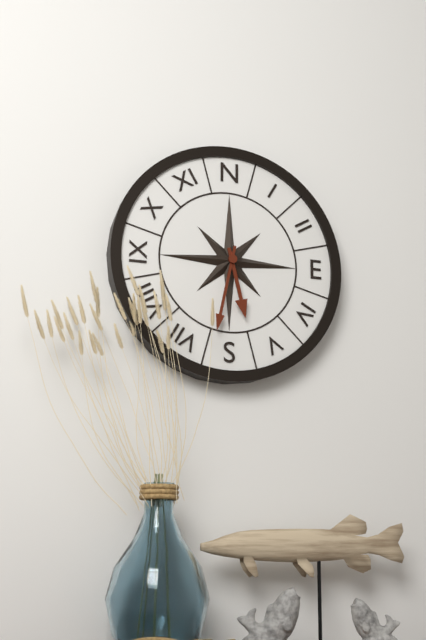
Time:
{"hour": 5, "minute": 32}
